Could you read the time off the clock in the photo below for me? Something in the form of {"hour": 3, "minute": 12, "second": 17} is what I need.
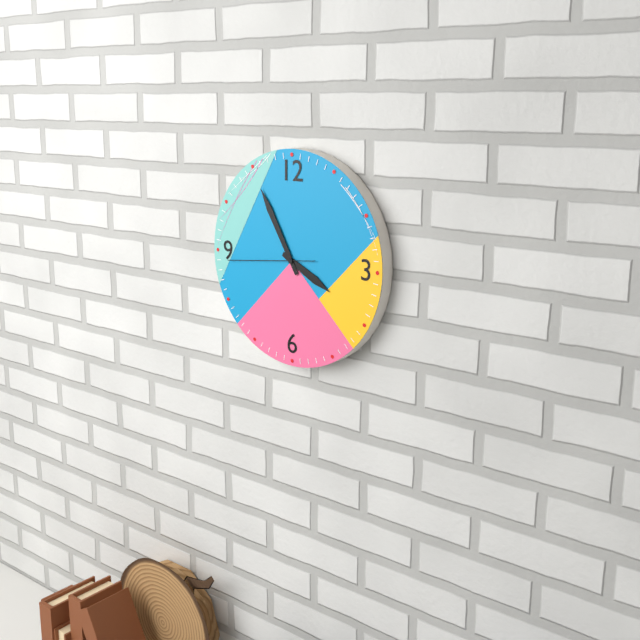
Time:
{"hour": 3, "minute": 55, "second": 44}
